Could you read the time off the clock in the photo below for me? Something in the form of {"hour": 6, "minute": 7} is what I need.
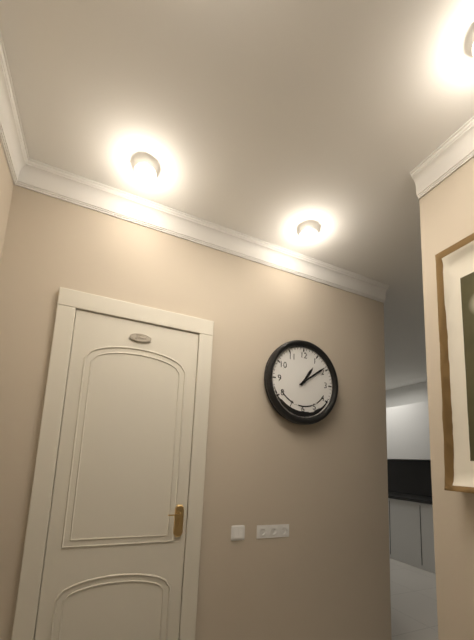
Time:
{"hour": 1, "minute": 9}
